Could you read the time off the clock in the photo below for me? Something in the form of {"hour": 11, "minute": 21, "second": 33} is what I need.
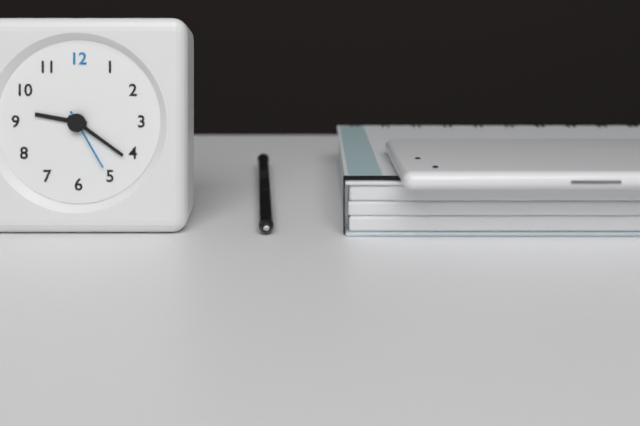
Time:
{"hour": 9, "minute": 21, "second": 25}
